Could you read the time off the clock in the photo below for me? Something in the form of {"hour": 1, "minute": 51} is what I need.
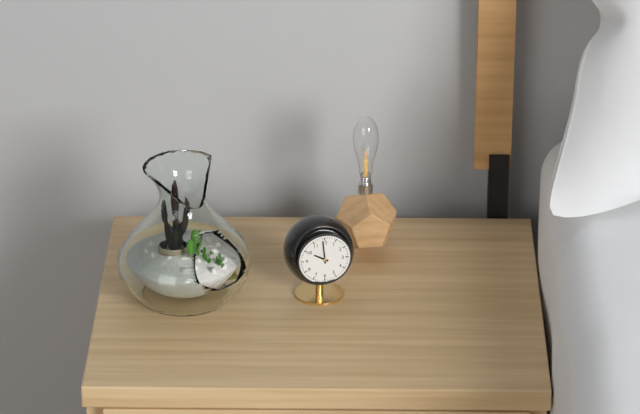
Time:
{"hour": 9, "minute": 59}
